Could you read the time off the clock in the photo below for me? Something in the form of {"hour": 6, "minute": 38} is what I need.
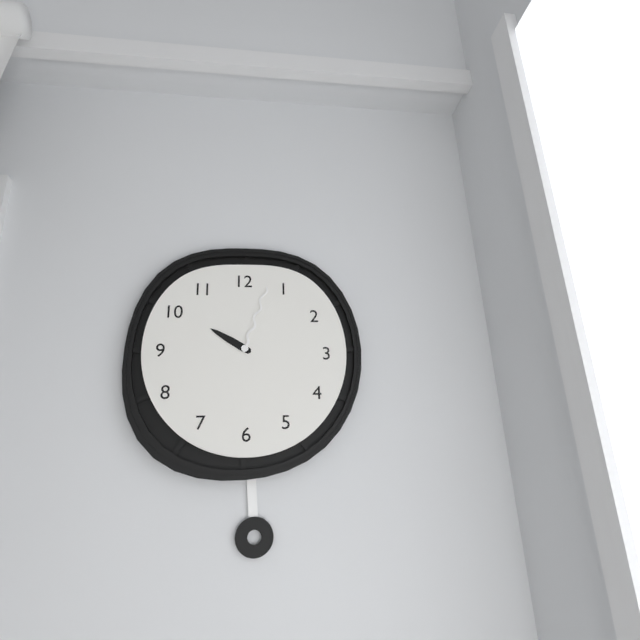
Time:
{"hour": 10, "minute": 3}
